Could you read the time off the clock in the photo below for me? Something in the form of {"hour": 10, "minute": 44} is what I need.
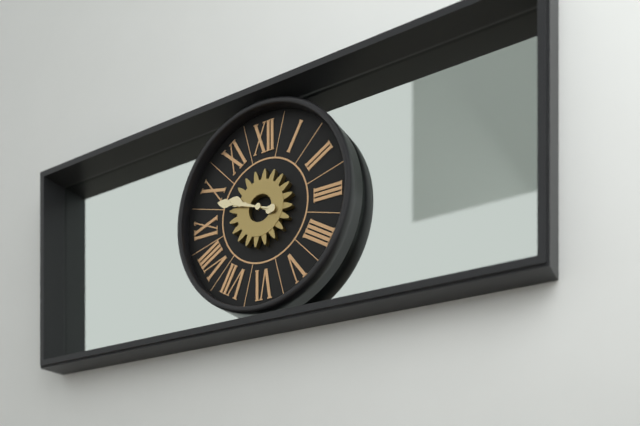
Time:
{"hour": 9, "minute": 48}
